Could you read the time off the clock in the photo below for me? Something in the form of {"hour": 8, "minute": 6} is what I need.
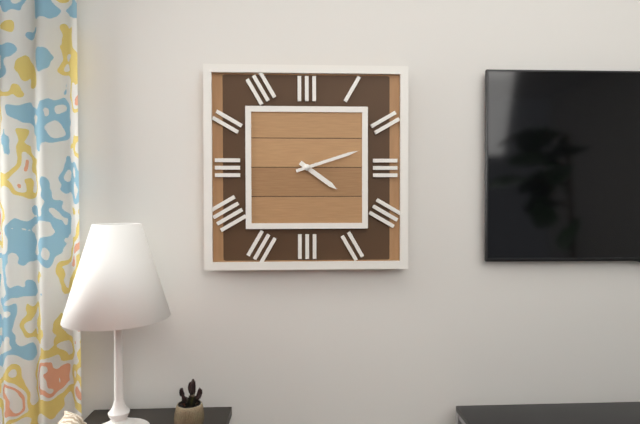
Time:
{"hour": 4, "minute": 12}
